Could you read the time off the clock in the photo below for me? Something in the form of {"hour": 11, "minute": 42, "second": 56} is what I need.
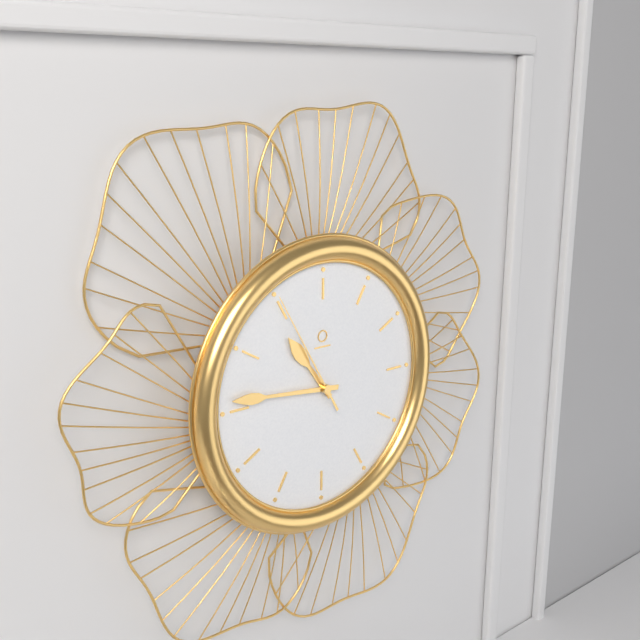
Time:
{"hour": 10, "minute": 46, "second": 55}
